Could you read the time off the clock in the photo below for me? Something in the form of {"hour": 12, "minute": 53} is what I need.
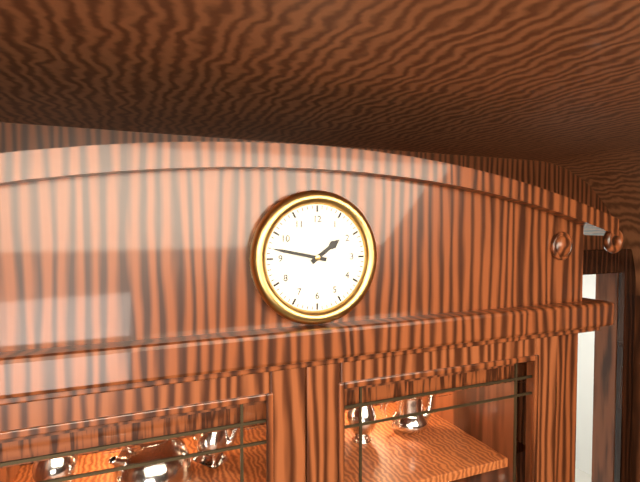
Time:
{"hour": 1, "minute": 47}
